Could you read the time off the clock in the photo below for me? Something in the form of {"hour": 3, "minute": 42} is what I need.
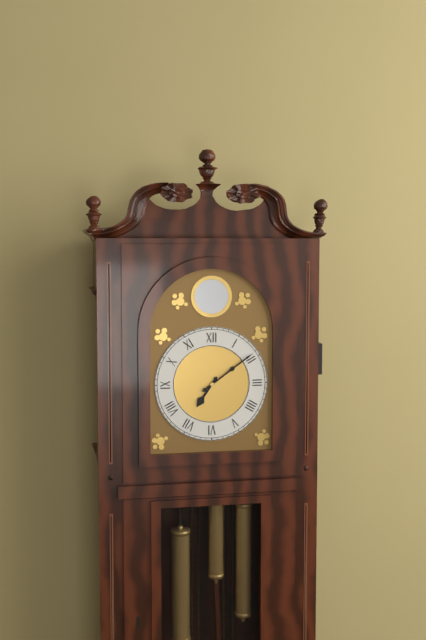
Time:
{"hour": 7, "minute": 9}
